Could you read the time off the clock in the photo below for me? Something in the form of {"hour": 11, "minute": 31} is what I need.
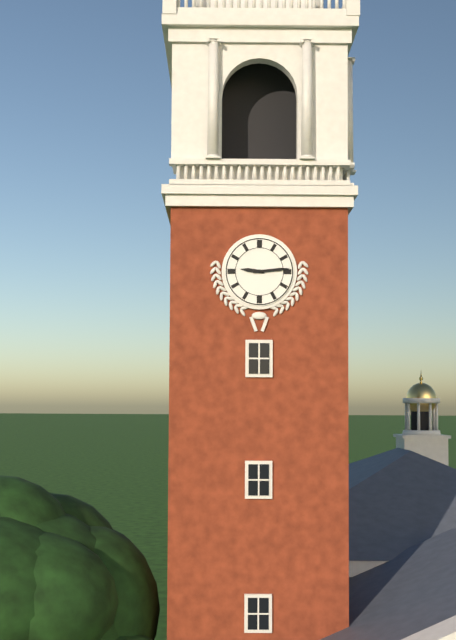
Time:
{"hour": 9, "minute": 14}
